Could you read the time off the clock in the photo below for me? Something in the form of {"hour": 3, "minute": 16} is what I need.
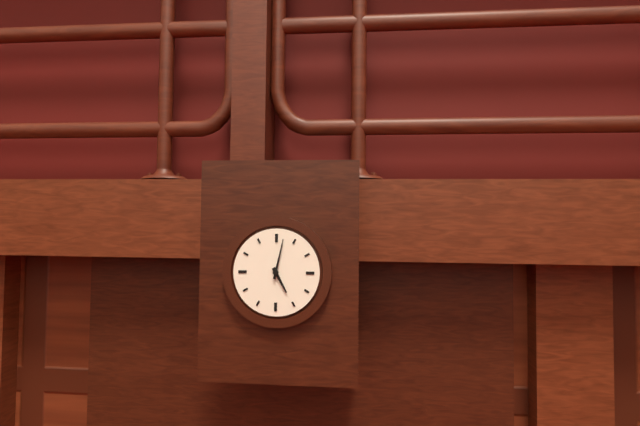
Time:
{"hour": 5, "minute": 2}
